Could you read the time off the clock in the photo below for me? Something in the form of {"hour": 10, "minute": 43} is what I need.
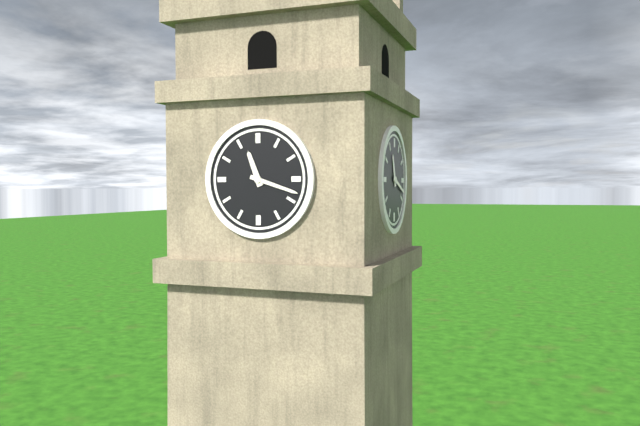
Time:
{"hour": 11, "minute": 18}
